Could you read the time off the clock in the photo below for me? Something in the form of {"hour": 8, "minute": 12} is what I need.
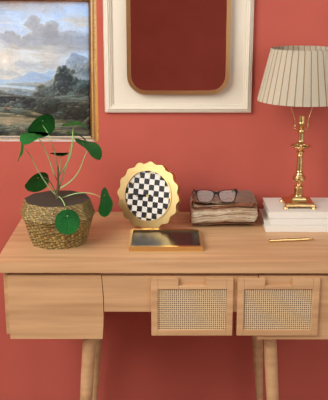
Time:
{"hour": 8, "minute": 45}
